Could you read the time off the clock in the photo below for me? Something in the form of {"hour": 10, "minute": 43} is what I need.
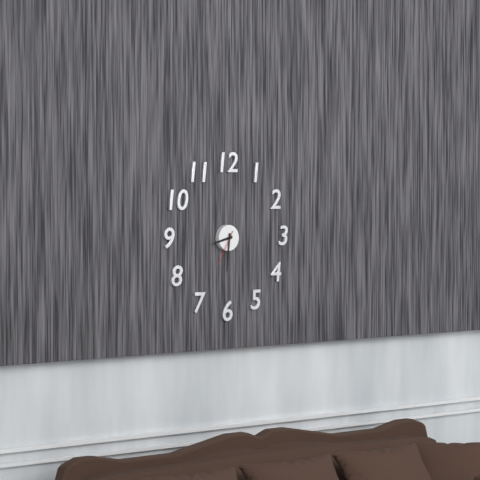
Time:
{"hour": 8, "minute": 31}
